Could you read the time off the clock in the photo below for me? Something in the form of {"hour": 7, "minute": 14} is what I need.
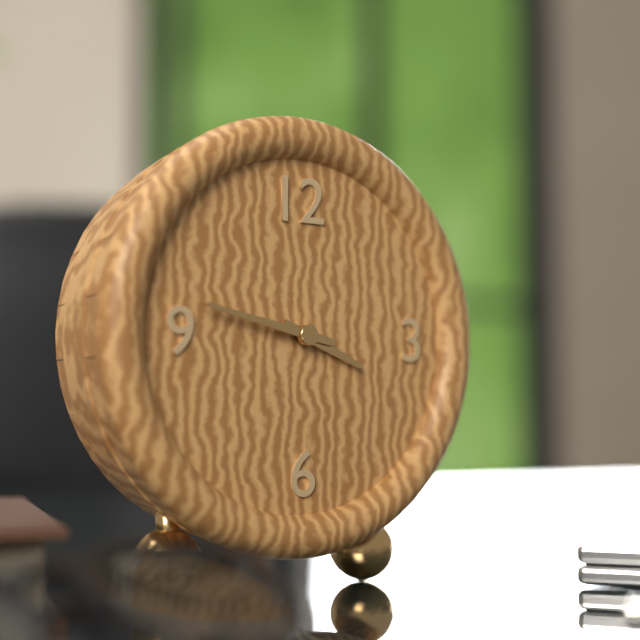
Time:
{"hour": 3, "minute": 47}
